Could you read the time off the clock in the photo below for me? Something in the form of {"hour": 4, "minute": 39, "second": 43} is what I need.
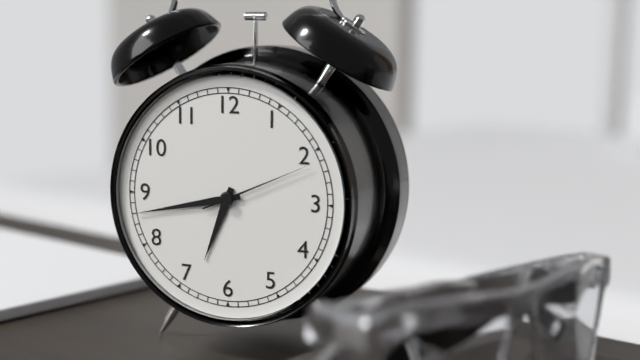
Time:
{"hour": 6, "minute": 43, "second": 11}
